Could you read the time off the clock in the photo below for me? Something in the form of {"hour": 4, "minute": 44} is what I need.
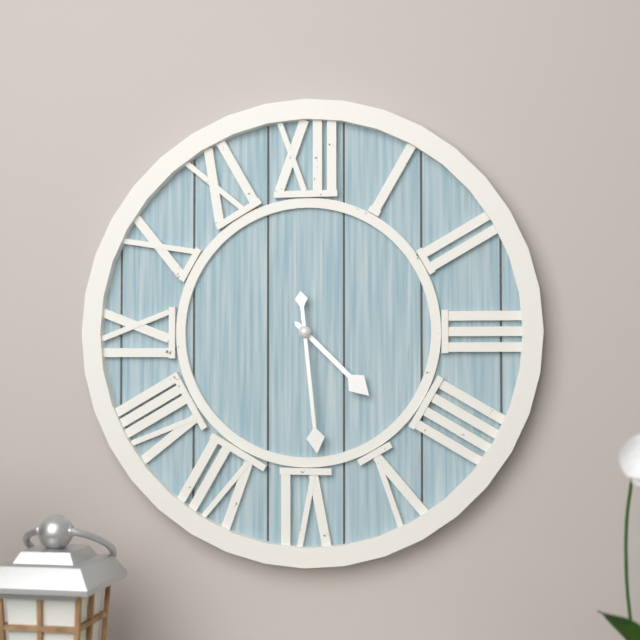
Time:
{"hour": 4, "minute": 29}
